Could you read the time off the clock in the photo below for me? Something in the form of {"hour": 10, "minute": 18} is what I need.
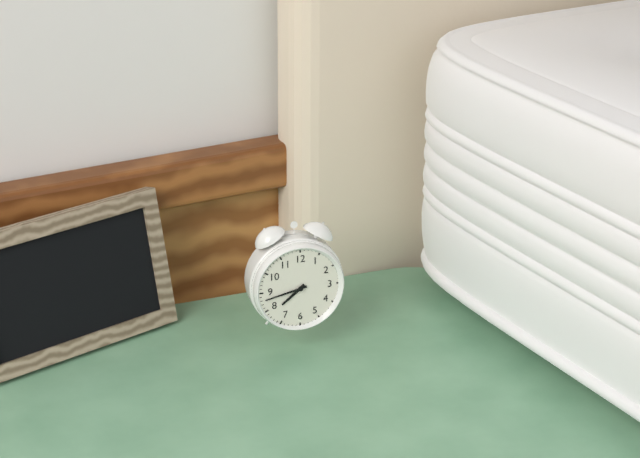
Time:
{"hour": 7, "minute": 43}
